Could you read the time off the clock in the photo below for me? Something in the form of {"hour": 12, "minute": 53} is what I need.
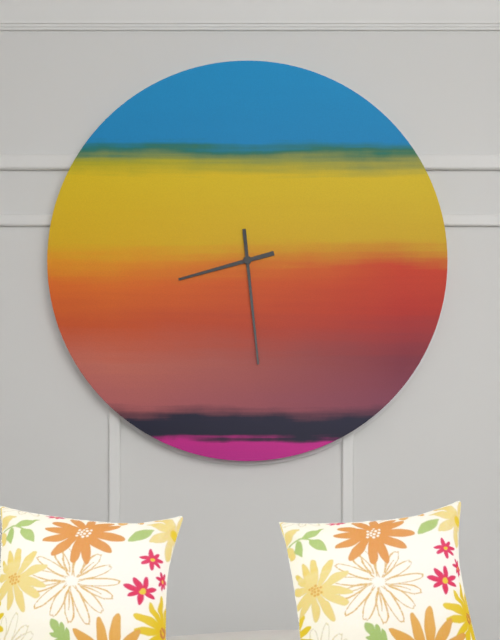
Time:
{"hour": 8, "minute": 29}
